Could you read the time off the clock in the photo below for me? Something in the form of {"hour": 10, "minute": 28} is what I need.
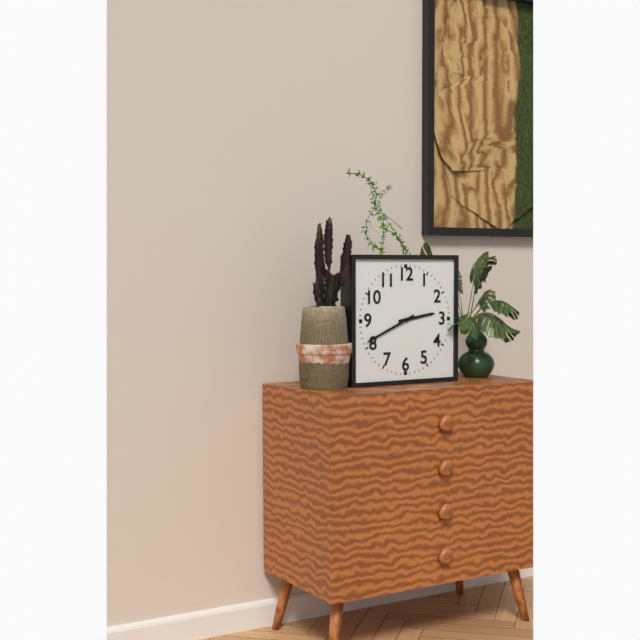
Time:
{"hour": 2, "minute": 41}
